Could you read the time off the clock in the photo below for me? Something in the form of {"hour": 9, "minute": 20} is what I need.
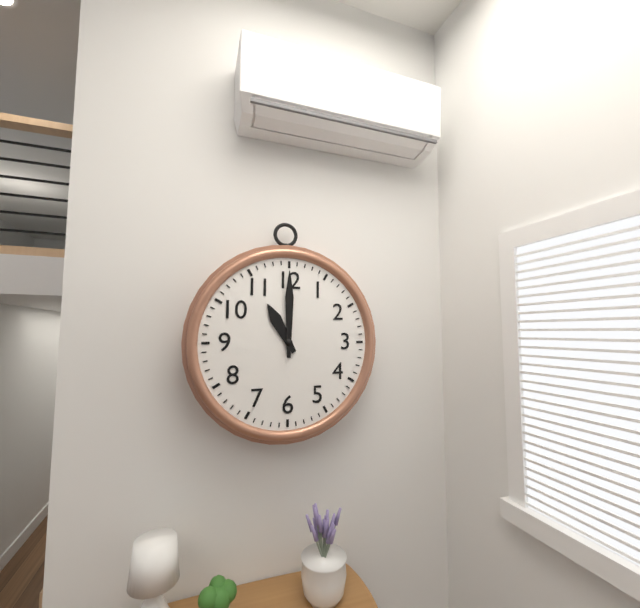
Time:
{"hour": 11, "minute": 0}
